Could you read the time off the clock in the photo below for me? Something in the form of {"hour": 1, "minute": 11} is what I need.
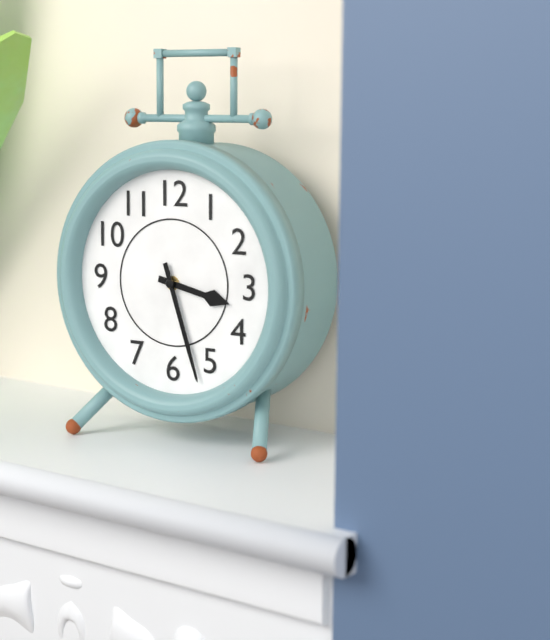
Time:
{"hour": 3, "minute": 27}
